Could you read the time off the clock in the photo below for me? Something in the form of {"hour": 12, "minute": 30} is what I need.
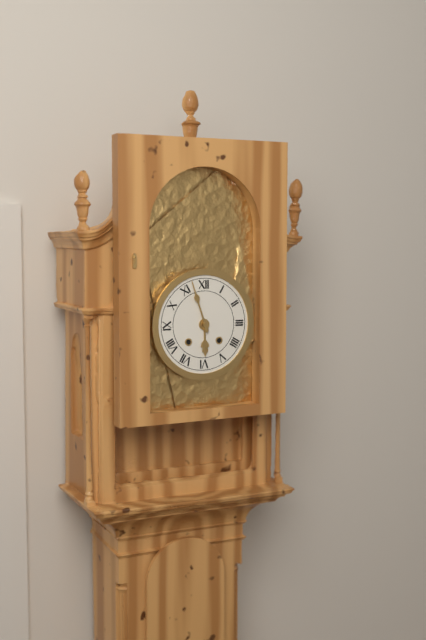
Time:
{"hour": 5, "minute": 57}
